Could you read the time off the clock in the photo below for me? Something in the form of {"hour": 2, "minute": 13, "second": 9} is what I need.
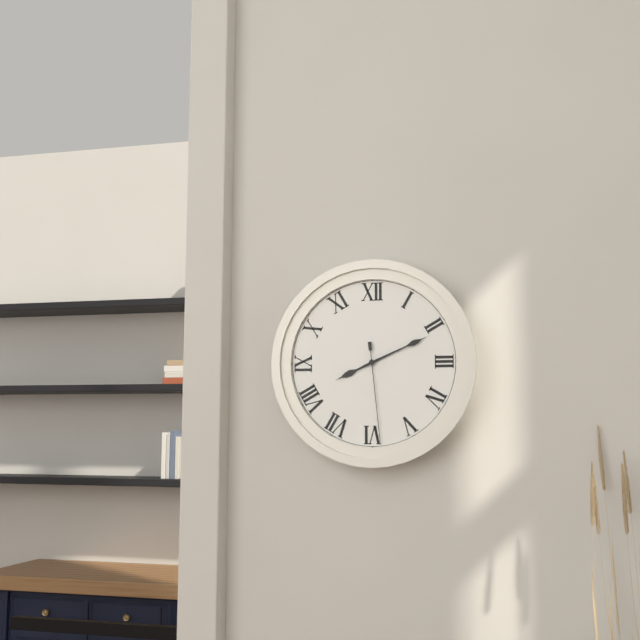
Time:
{"hour": 8, "minute": 11, "second": 29}
